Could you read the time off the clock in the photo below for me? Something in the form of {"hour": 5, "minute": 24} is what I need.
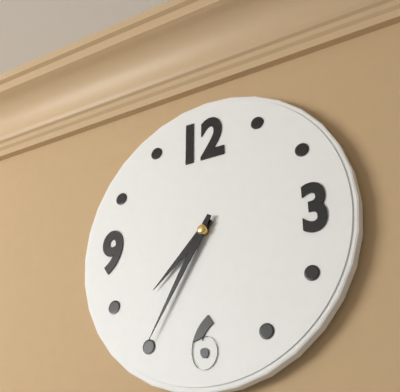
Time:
{"hour": 7, "minute": 35}
